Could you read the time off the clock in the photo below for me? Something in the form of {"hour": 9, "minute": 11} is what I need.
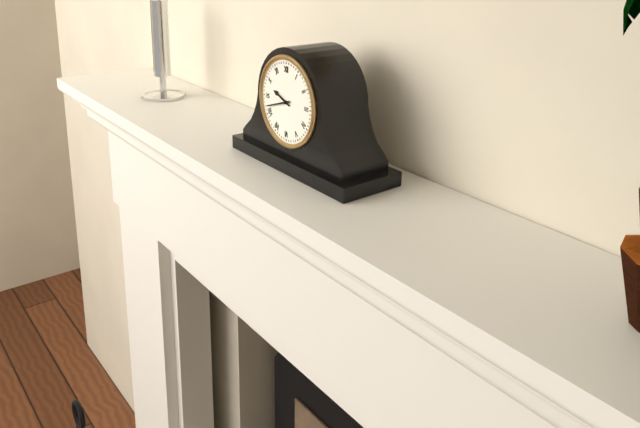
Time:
{"hour": 9, "minute": 42}
